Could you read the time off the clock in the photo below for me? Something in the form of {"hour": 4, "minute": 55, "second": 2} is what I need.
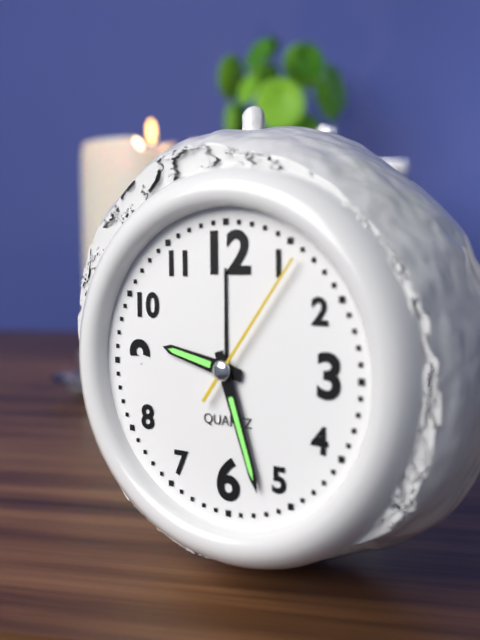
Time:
{"hour": 9, "minute": 27, "second": 6}
